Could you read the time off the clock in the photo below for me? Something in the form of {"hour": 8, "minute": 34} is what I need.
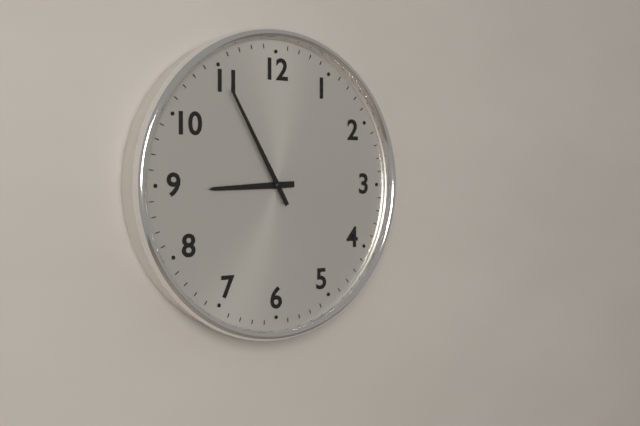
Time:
{"hour": 8, "minute": 55}
